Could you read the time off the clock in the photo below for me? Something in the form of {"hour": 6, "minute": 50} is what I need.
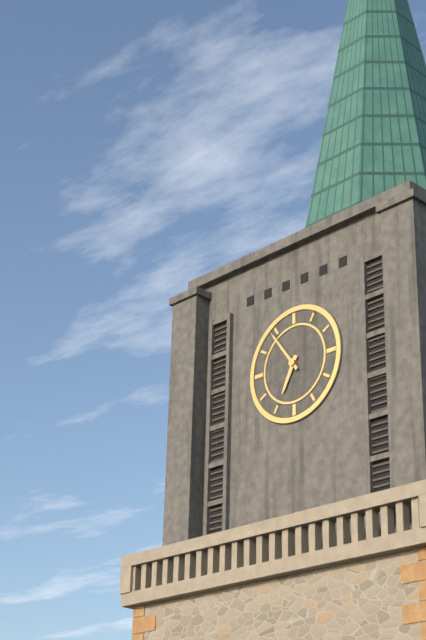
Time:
{"hour": 6, "minute": 54}
